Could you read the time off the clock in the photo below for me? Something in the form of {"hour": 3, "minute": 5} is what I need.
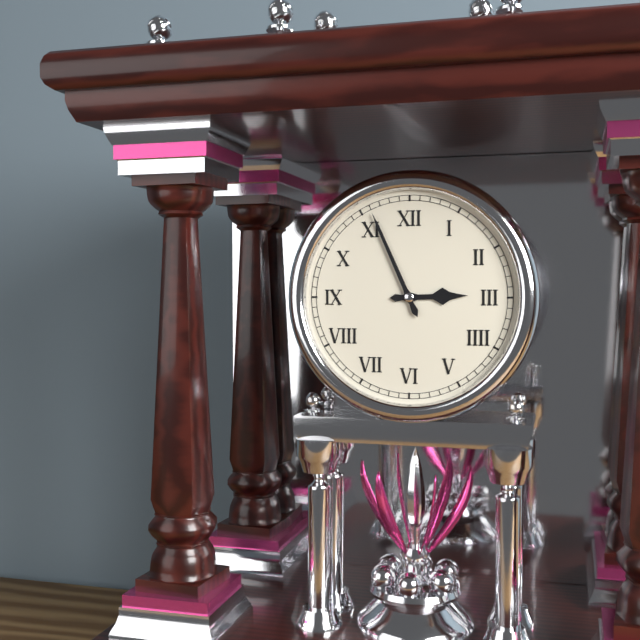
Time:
{"hour": 2, "minute": 56}
